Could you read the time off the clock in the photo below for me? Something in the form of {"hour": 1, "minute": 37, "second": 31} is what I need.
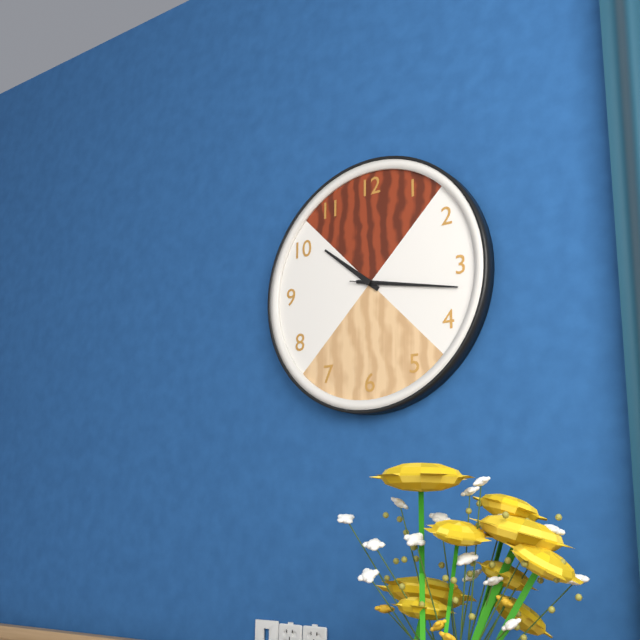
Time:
{"hour": 10, "minute": 17, "second": 17}
